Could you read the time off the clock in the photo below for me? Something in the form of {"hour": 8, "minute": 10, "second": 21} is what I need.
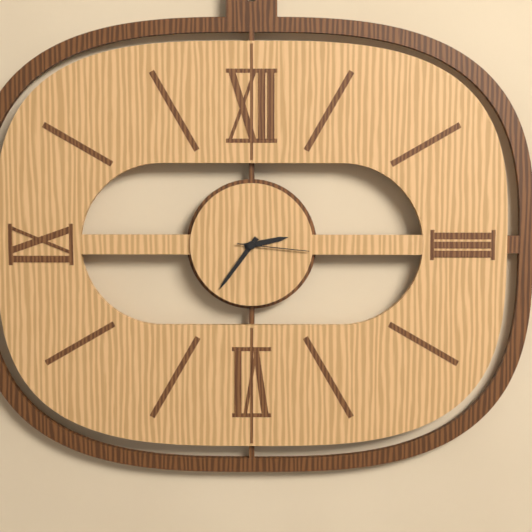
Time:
{"hour": 2, "minute": 36, "second": 16}
